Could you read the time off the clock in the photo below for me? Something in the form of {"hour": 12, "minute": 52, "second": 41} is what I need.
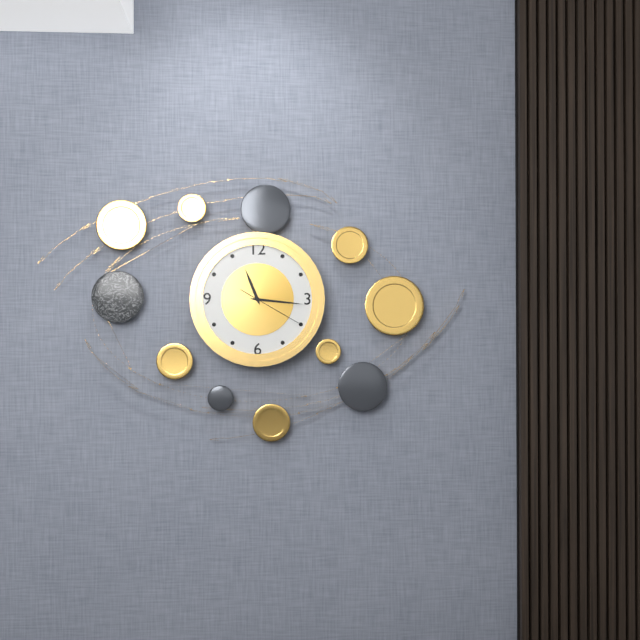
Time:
{"hour": 11, "minute": 16, "second": 20}
